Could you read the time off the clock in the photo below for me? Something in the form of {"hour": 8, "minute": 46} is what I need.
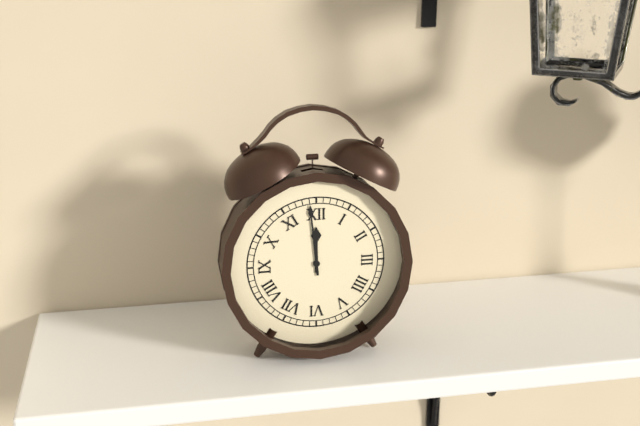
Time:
{"hour": 11, "minute": 59}
